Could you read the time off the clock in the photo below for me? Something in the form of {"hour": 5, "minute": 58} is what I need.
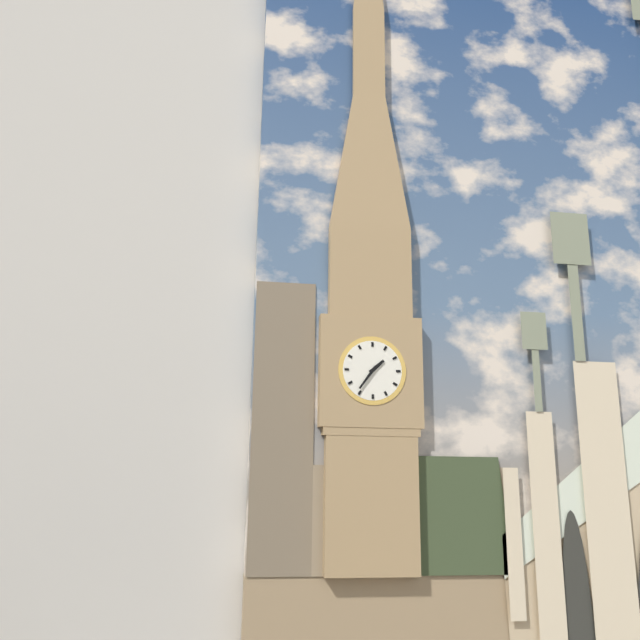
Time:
{"hour": 1, "minute": 36}
